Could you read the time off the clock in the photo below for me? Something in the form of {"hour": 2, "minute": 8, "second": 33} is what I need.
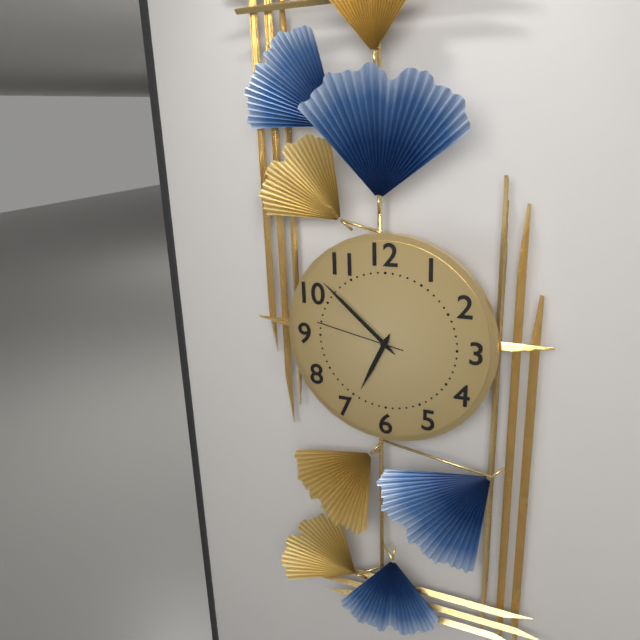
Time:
{"hour": 6, "minute": 52, "second": 47}
